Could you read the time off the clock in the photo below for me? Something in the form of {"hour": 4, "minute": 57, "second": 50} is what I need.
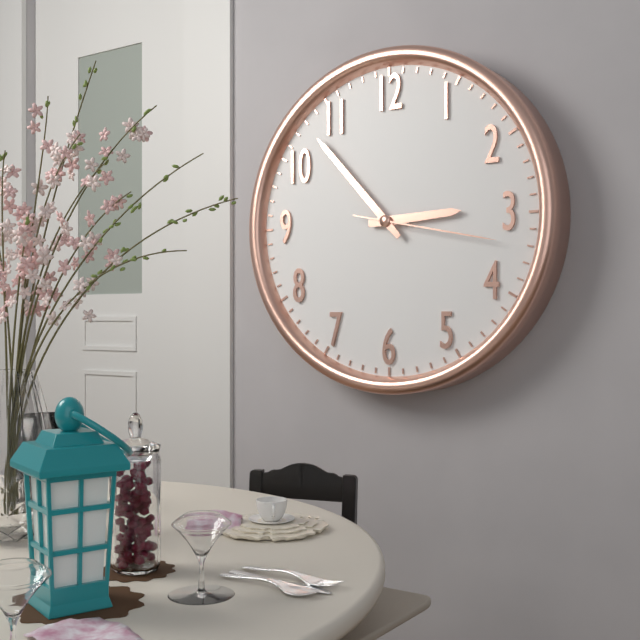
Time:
{"hour": 2, "minute": 53, "second": 17}
